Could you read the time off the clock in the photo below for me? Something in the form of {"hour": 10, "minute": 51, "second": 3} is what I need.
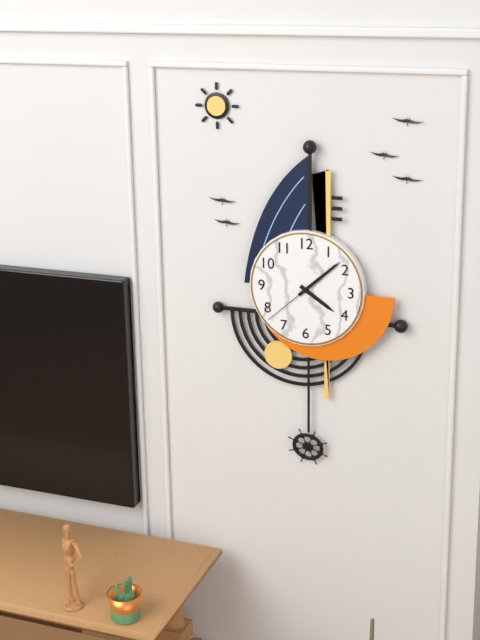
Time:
{"hour": 4, "minute": 8, "second": 38}
